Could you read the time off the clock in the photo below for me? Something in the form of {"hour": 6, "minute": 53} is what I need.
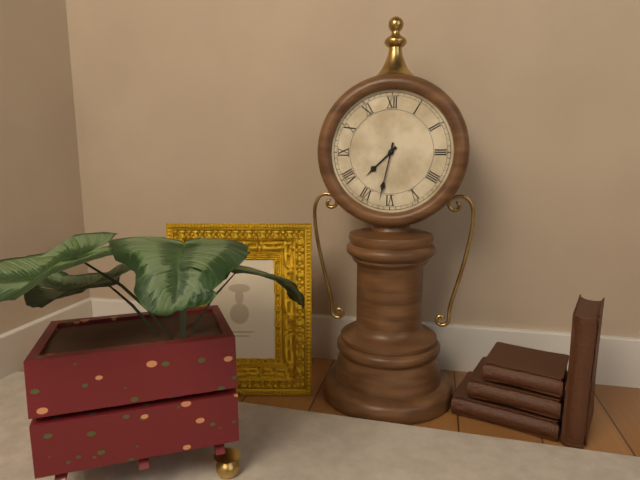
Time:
{"hour": 7, "minute": 32}
